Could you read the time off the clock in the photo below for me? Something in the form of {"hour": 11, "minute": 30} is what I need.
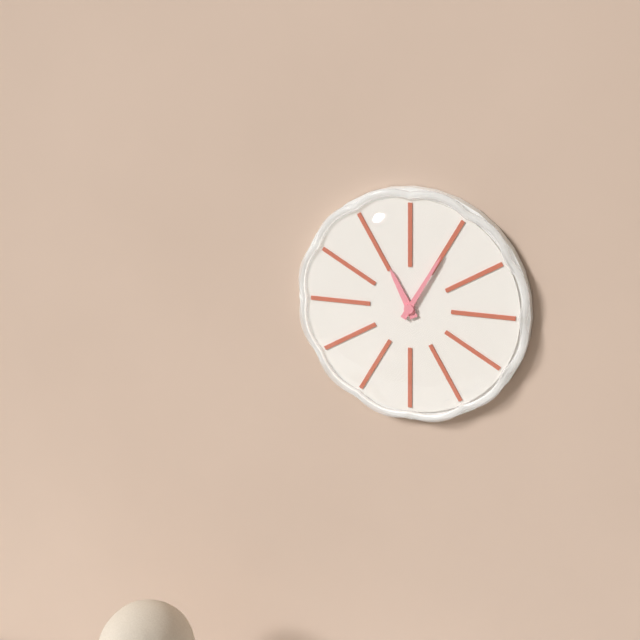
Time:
{"hour": 11, "minute": 5}
